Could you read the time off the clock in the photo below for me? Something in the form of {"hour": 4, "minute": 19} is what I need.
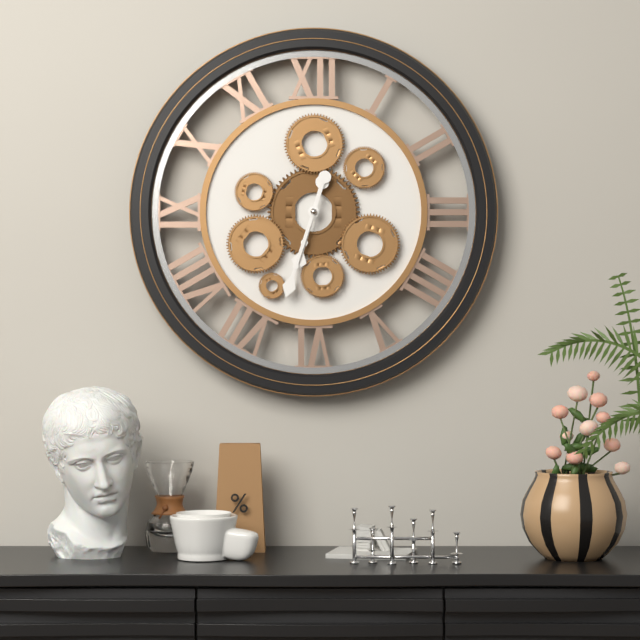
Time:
{"hour": 6, "minute": 33}
